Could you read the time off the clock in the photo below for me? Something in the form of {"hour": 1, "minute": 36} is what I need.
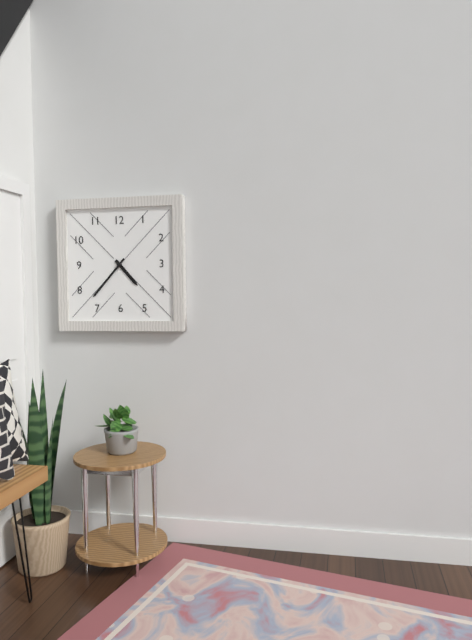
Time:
{"hour": 4, "minute": 37}
